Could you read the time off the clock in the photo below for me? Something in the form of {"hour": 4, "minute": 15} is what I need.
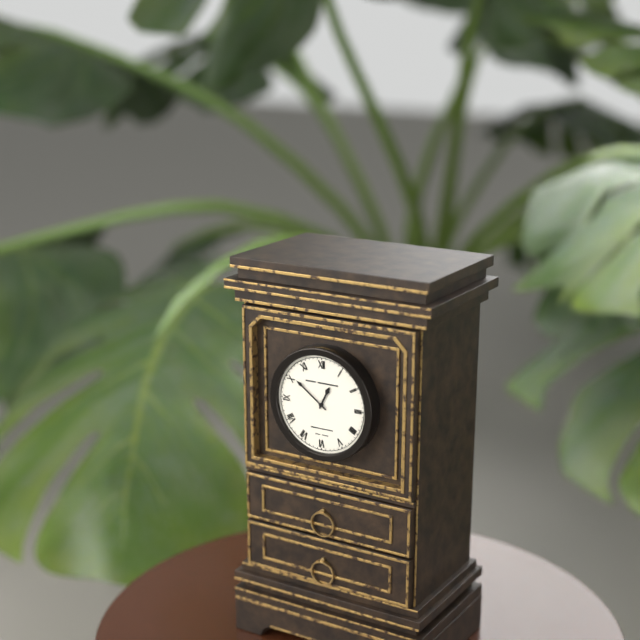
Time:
{"hour": 12, "minute": 51}
